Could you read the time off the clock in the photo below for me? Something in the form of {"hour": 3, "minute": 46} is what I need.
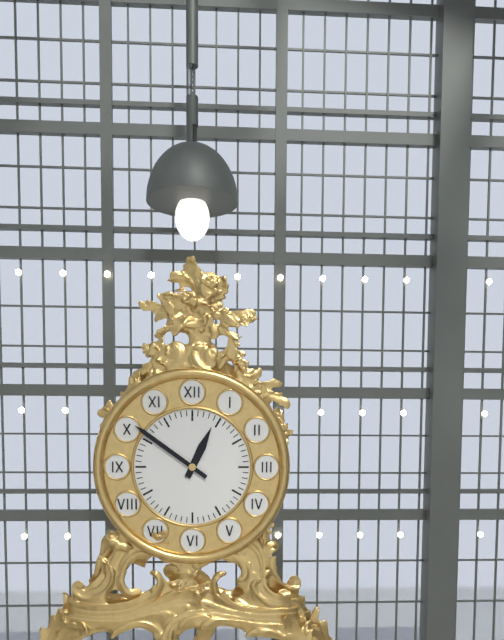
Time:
{"hour": 12, "minute": 51}
